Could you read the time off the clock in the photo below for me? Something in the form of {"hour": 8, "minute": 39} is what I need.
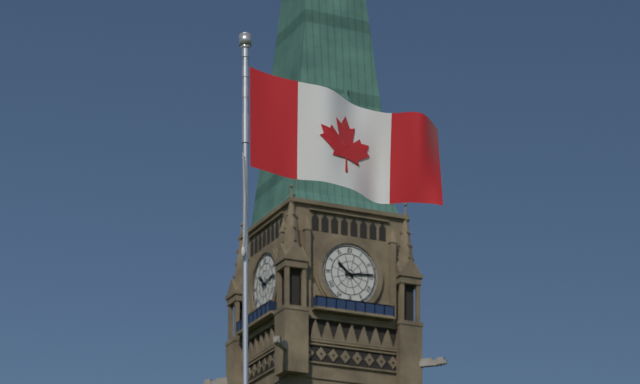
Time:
{"hour": 10, "minute": 14}
